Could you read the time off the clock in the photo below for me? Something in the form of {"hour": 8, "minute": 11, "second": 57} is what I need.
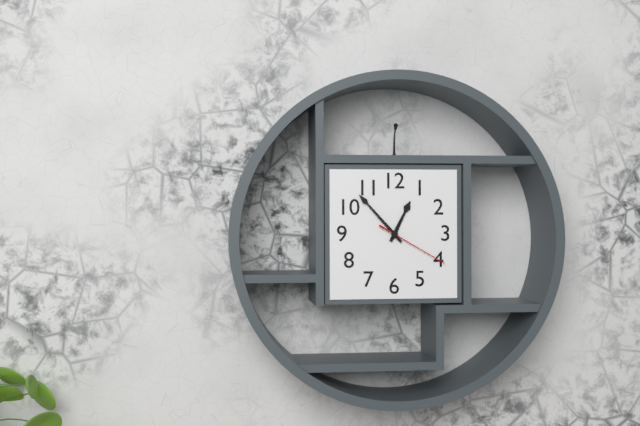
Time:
{"hour": 12, "minute": 53, "second": 20}
